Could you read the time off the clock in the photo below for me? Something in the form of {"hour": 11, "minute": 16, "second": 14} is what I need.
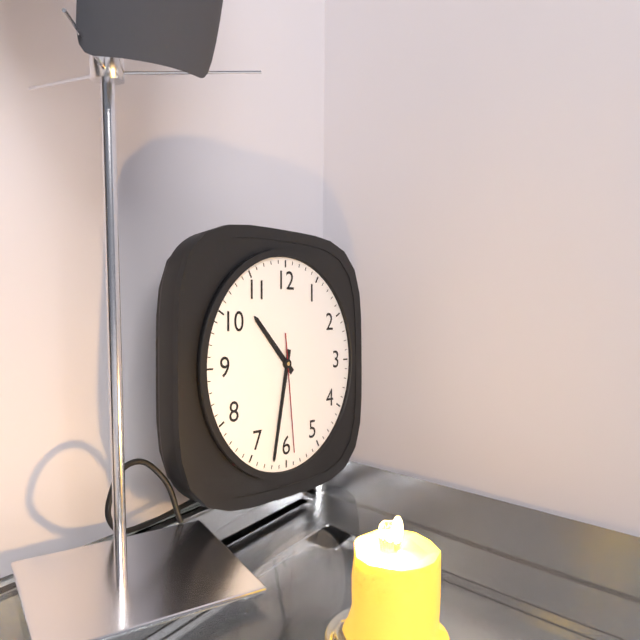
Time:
{"hour": 10, "minute": 32, "second": 29}
